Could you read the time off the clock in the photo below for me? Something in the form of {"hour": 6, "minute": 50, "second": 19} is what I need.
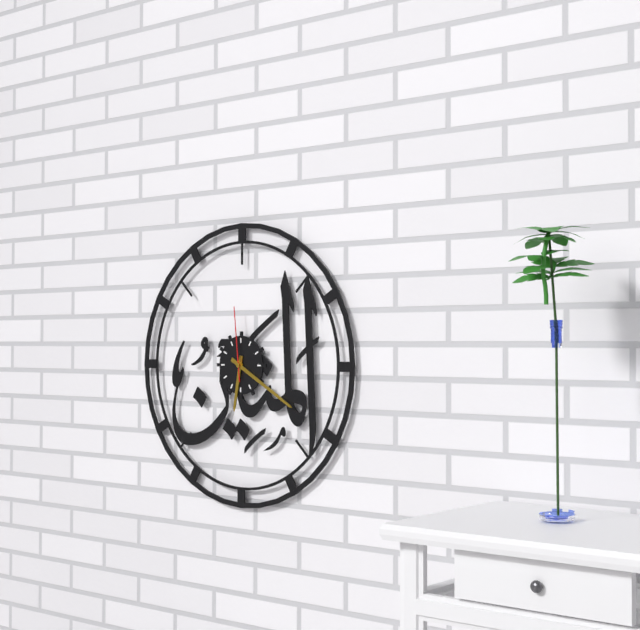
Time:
{"hour": 6, "minute": 20, "second": 59}
